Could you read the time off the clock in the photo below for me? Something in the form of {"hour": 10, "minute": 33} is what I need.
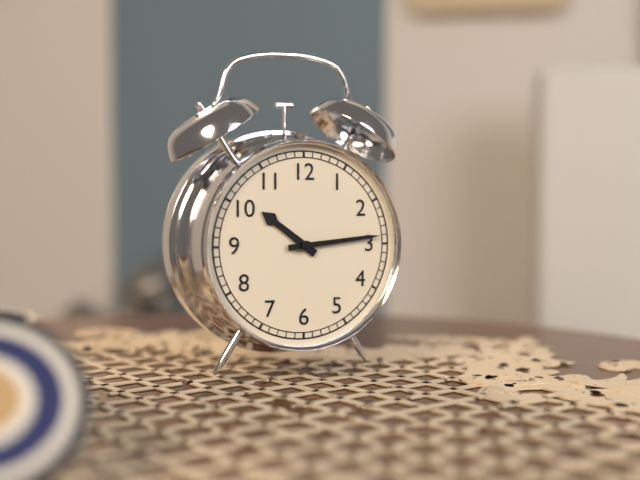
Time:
{"hour": 10, "minute": 14}
